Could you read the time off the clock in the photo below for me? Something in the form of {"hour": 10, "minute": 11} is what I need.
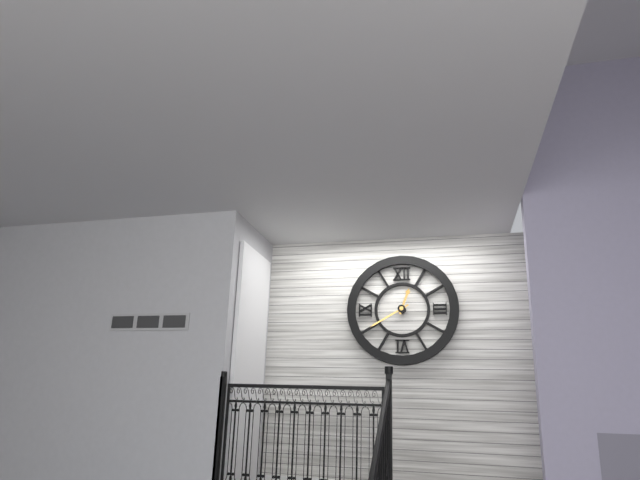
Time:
{"hour": 12, "minute": 40}
